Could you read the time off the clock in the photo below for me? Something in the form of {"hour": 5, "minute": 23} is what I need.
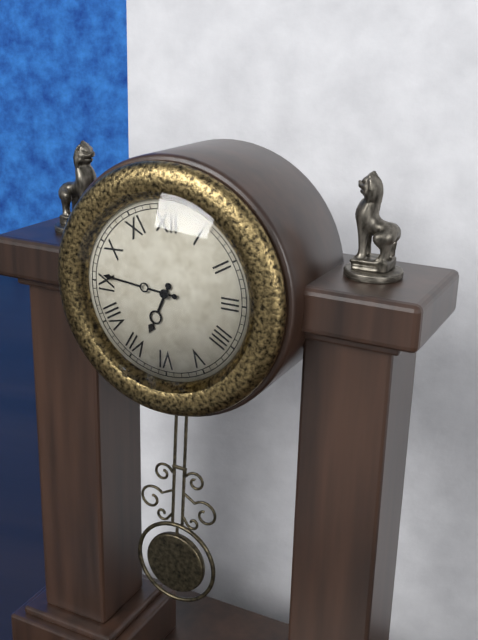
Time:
{"hour": 6, "minute": 46}
